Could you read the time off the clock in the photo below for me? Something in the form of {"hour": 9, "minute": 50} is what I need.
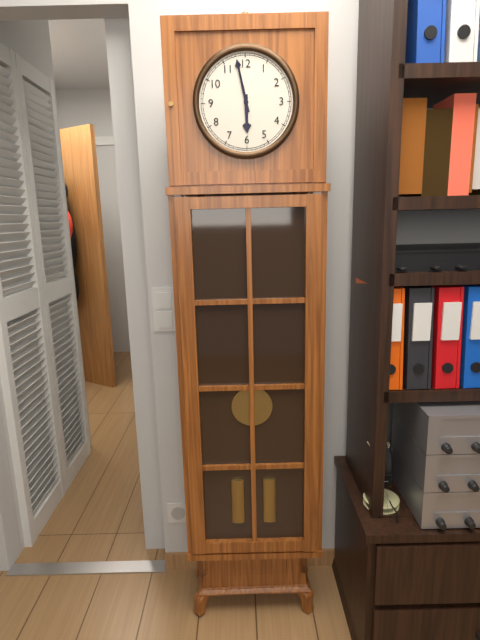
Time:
{"hour": 5, "minute": 58}
